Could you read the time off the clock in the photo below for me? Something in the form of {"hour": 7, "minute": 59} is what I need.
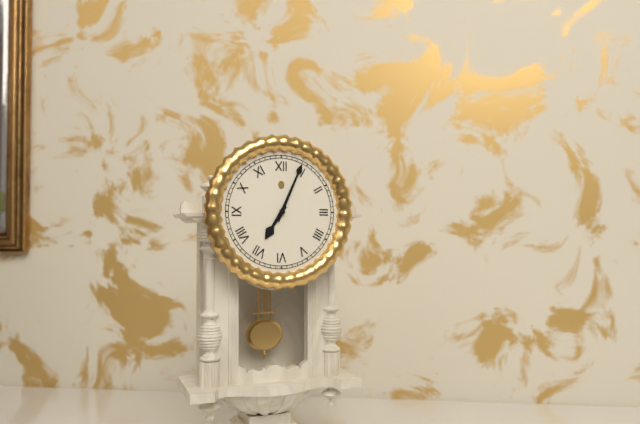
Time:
{"hour": 7, "minute": 4}
